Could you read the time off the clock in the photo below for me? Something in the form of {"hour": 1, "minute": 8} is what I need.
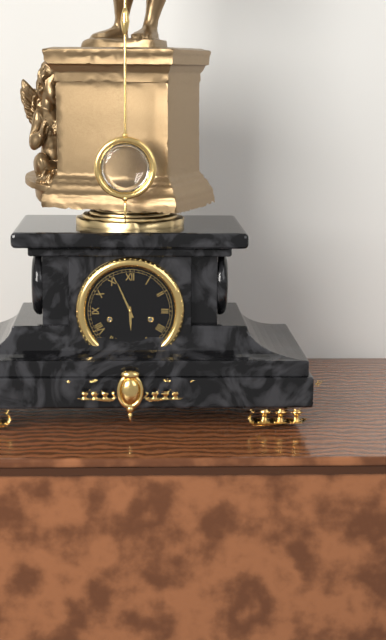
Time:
{"hour": 5, "minute": 56}
